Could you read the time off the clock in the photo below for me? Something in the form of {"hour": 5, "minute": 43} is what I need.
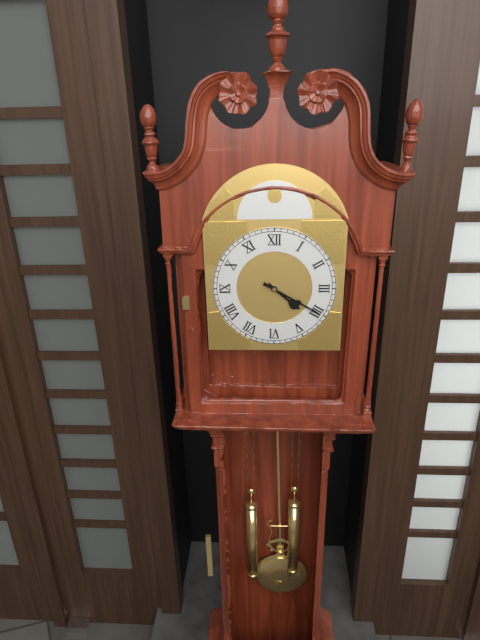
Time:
{"hour": 4, "minute": 20}
